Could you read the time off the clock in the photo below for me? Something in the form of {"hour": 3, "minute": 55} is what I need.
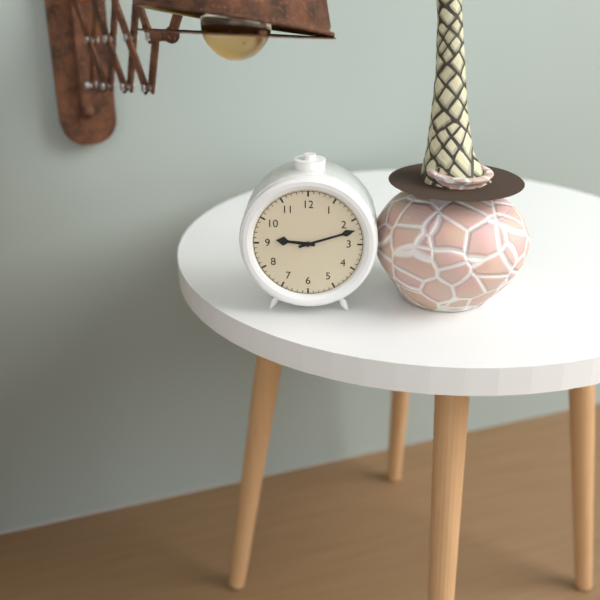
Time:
{"hour": 9, "minute": 12}
